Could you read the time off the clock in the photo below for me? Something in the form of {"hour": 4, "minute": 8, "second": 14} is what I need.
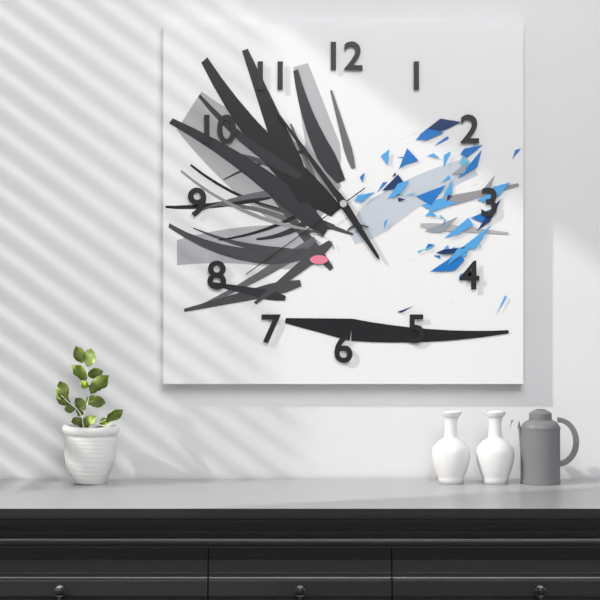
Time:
{"hour": 4, "minute": 54, "second": 39}
